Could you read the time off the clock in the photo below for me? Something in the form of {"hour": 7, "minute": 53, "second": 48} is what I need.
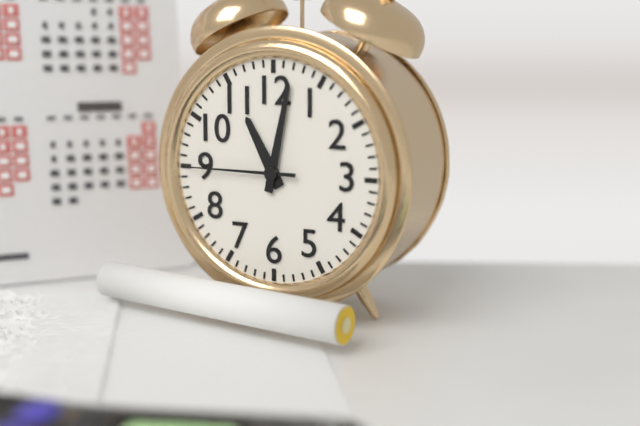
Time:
{"hour": 11, "minute": 2, "second": 45}
